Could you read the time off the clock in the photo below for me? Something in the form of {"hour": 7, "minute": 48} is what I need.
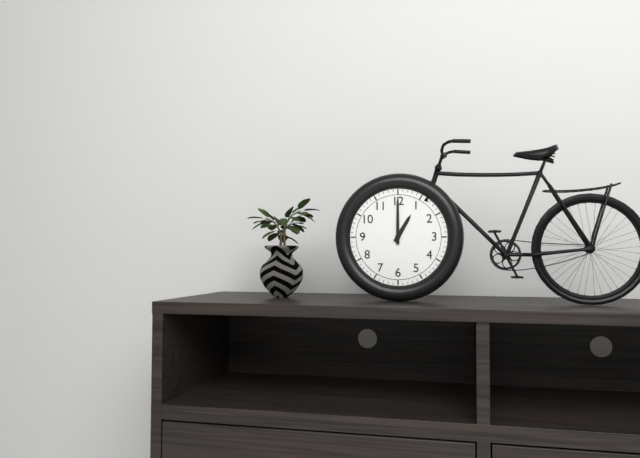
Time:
{"hour": 1, "minute": 0}
